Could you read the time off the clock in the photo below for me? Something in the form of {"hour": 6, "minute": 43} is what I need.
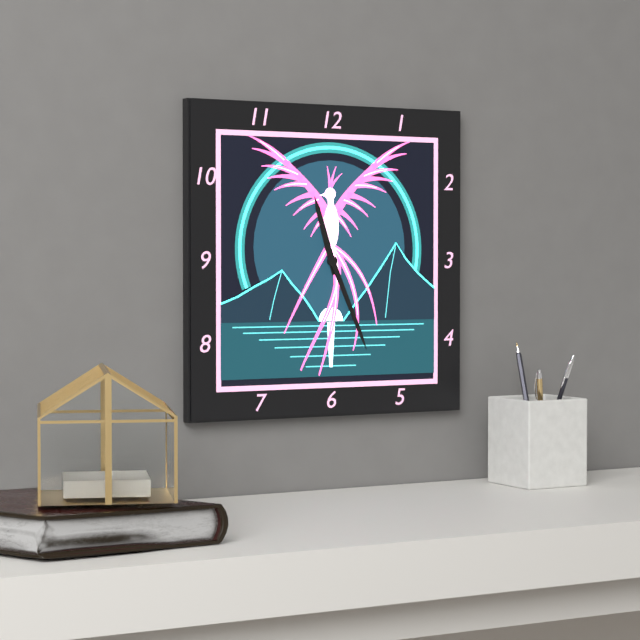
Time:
{"hour": 11, "minute": 26}
